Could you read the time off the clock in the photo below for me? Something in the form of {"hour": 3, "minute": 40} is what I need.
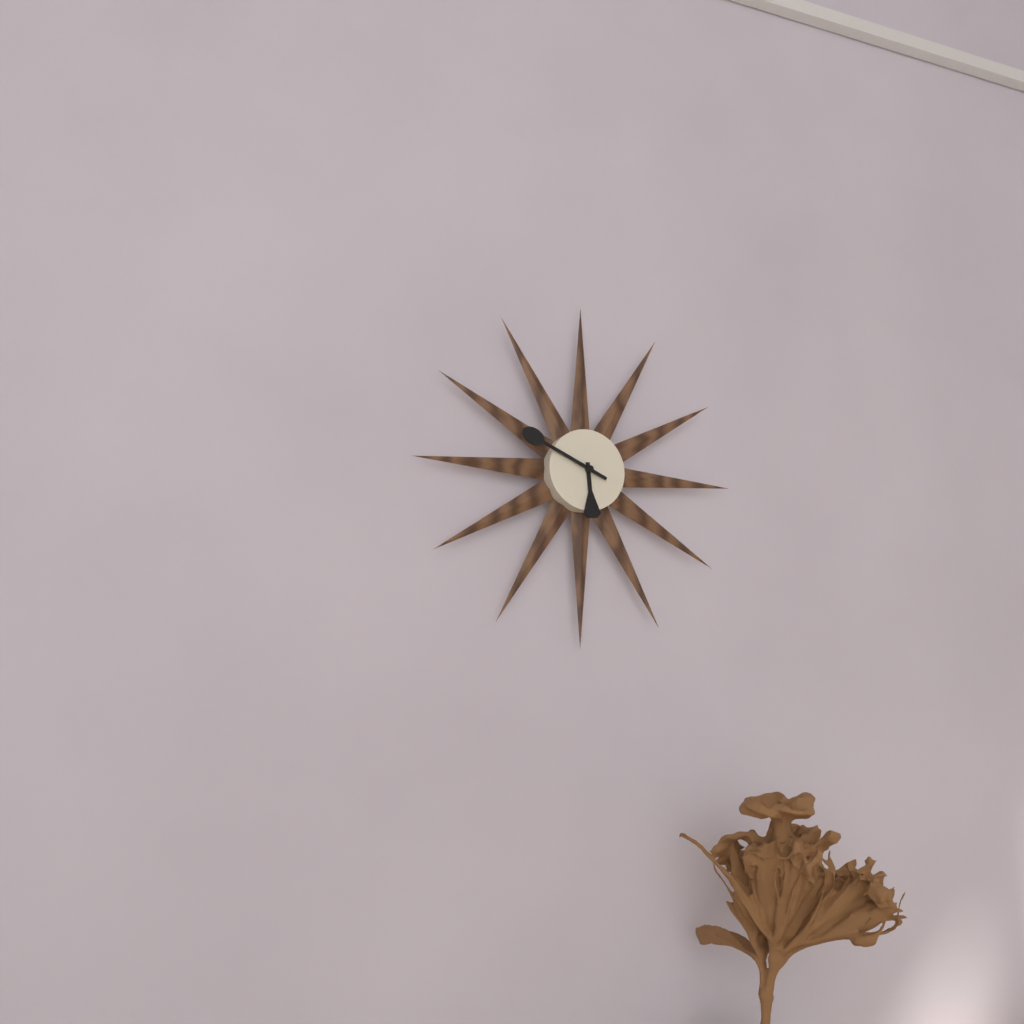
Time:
{"hour": 5, "minute": 49}
